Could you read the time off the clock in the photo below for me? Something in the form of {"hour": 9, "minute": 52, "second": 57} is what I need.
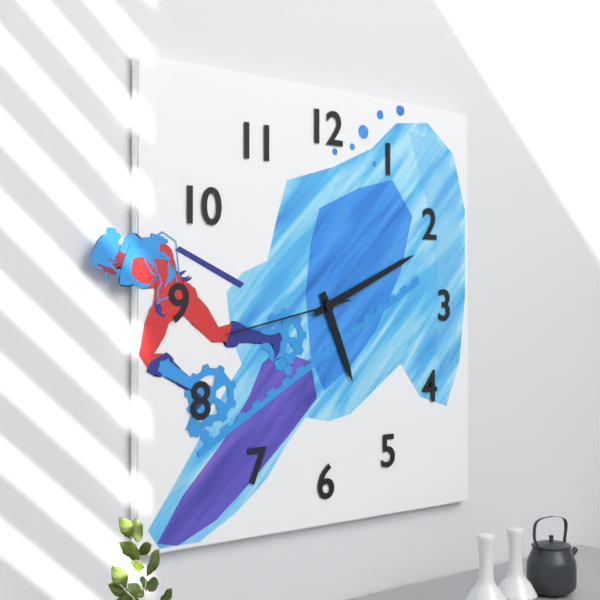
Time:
{"hour": 5, "minute": 11, "second": 43}
